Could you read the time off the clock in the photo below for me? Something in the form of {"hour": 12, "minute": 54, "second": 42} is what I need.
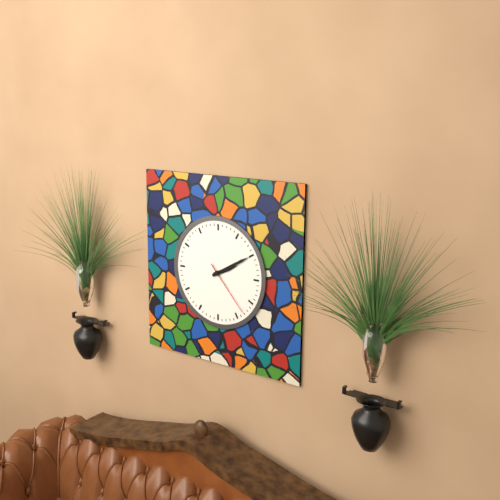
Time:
{"hour": 2, "minute": 10, "second": 23}
